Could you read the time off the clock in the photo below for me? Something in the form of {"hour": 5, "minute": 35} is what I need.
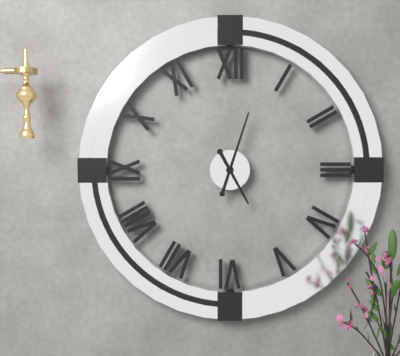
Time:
{"hour": 5, "minute": 3}
